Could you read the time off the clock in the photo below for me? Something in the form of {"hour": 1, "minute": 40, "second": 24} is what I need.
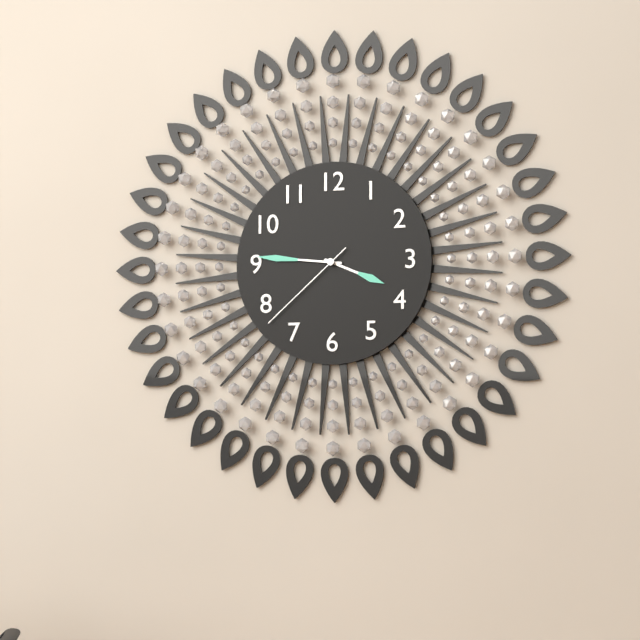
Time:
{"hour": 3, "minute": 46, "second": 38}
